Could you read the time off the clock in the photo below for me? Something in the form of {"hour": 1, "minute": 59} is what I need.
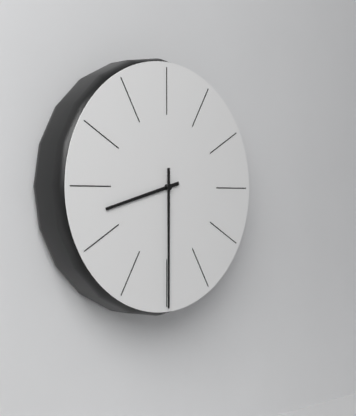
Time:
{"hour": 8, "minute": 30}
